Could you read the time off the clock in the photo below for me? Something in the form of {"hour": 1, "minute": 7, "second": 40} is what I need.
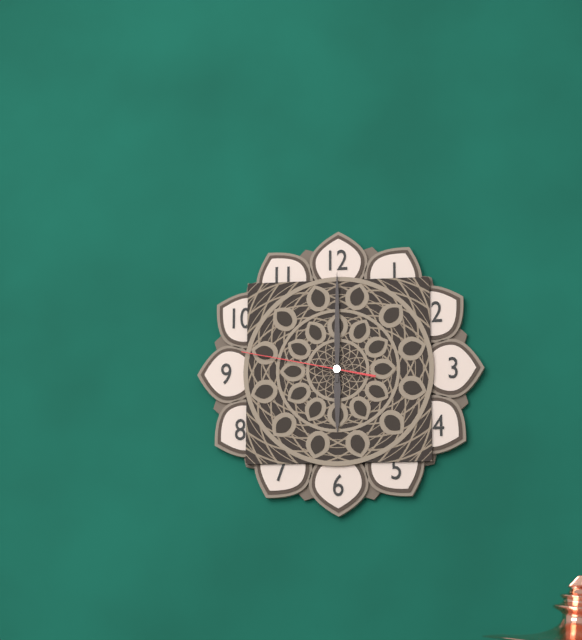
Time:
{"hour": 6, "minute": 0, "second": 47}
